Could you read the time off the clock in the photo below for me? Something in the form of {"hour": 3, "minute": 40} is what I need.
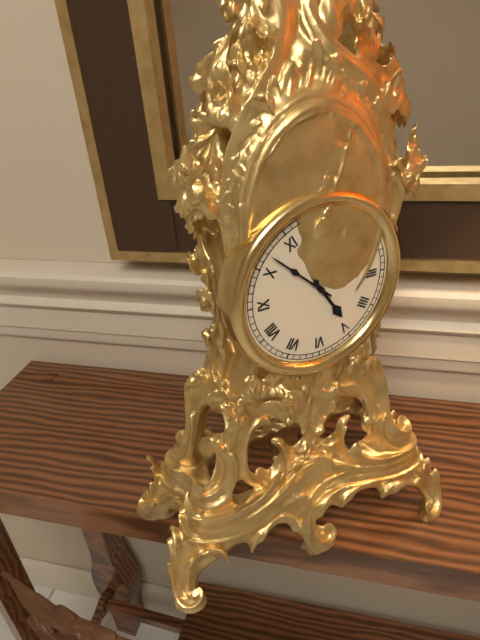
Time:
{"hour": 4, "minute": 52}
